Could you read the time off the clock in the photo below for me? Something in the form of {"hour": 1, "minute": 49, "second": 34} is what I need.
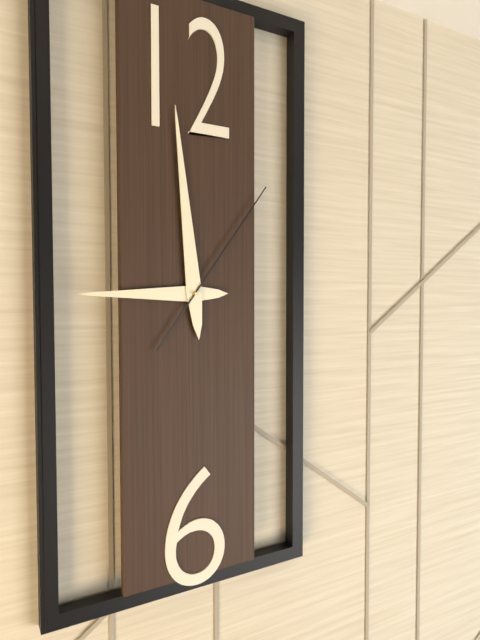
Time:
{"hour": 8, "minute": 59, "second": 6}
